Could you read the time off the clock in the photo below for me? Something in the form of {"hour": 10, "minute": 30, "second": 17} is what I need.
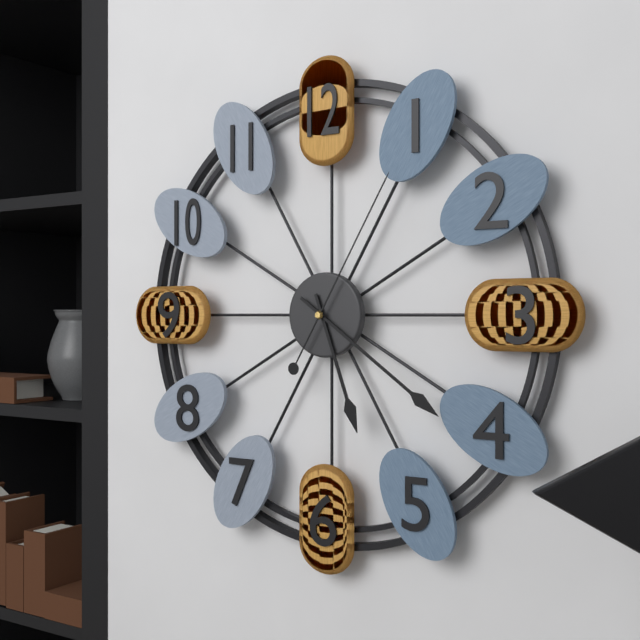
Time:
{"hour": 5, "minute": 21, "second": 5}
